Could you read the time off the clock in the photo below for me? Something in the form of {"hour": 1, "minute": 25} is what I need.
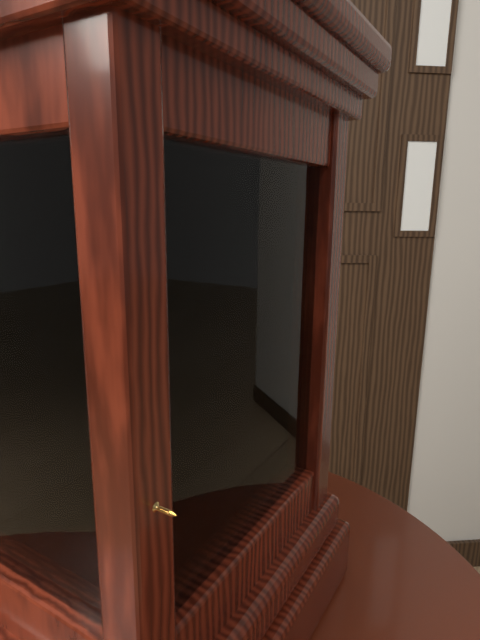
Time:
{"hour": 2, "minute": 58}
